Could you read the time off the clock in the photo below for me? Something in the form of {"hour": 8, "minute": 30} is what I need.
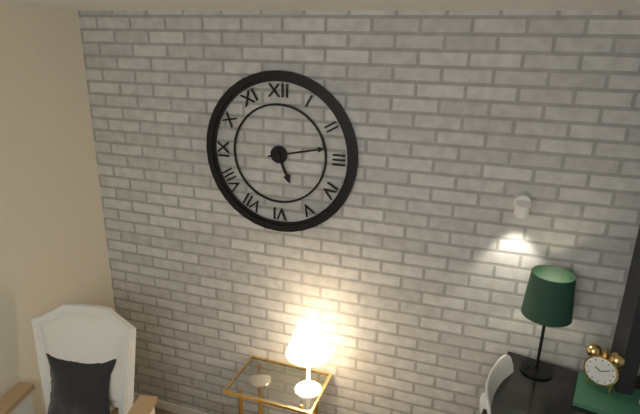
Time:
{"hour": 5, "minute": 13}
